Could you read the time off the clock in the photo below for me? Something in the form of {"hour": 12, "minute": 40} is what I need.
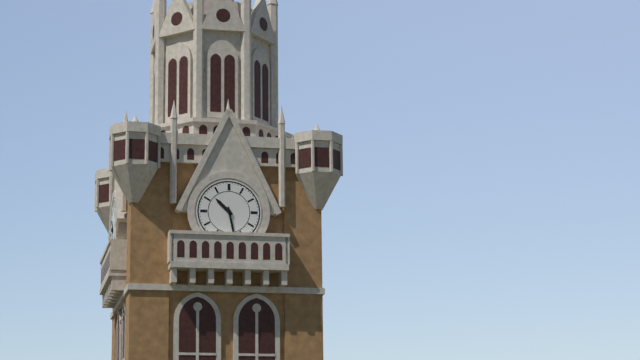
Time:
{"hour": 10, "minute": 28}
